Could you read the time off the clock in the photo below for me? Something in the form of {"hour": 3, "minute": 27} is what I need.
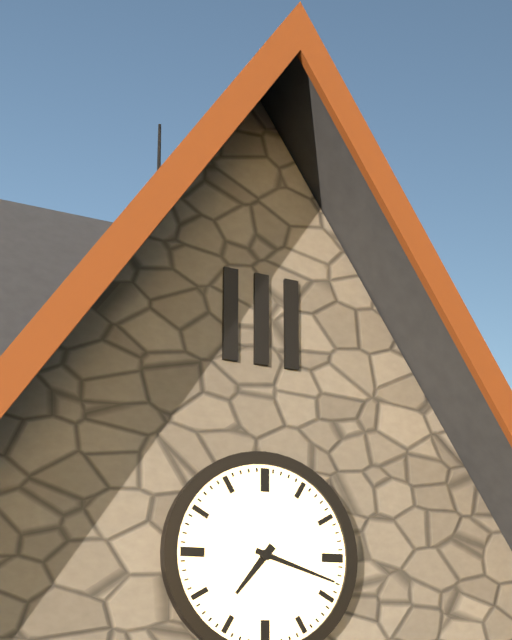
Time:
{"hour": 7, "minute": 18}
